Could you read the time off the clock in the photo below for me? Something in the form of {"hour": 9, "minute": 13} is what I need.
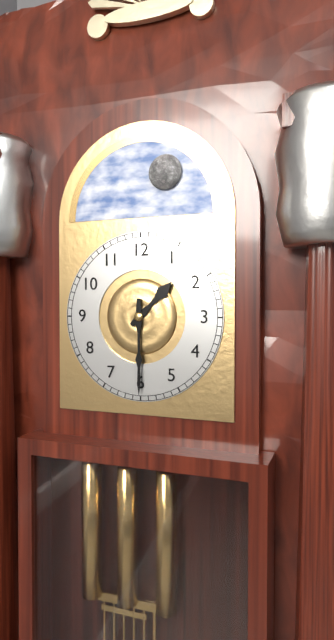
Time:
{"hour": 1, "minute": 30}
